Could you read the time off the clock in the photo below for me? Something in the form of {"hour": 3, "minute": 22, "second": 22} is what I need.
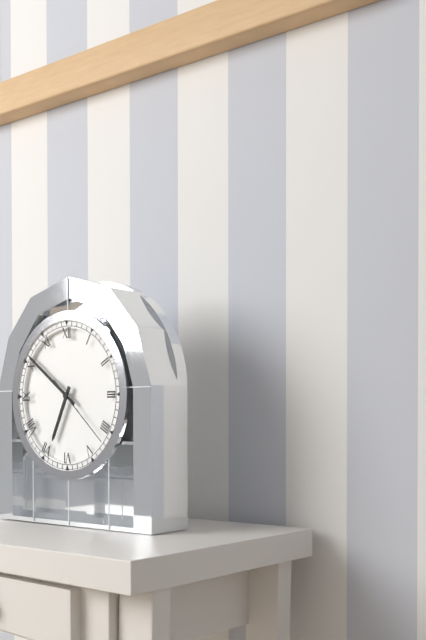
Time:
{"hour": 6, "minute": 51, "second": 22}
